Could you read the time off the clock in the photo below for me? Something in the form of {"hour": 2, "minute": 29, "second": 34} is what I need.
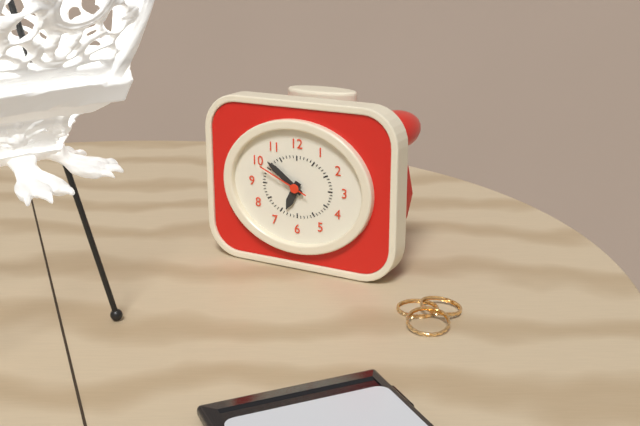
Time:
{"hour": 6, "minute": 51, "second": 49}
